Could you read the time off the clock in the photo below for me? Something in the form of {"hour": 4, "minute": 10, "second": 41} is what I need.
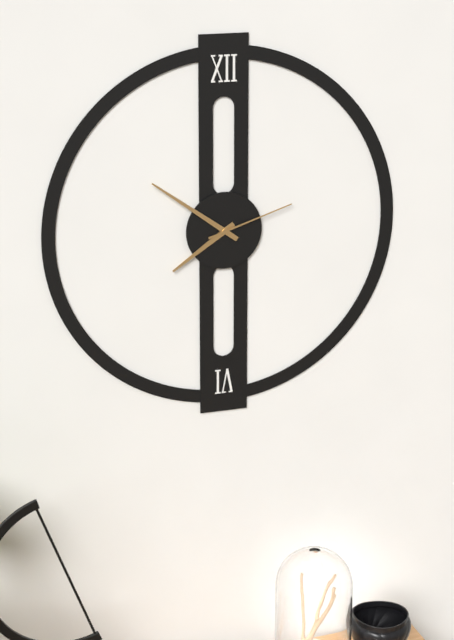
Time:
{"hour": 7, "minute": 51, "second": 12}
